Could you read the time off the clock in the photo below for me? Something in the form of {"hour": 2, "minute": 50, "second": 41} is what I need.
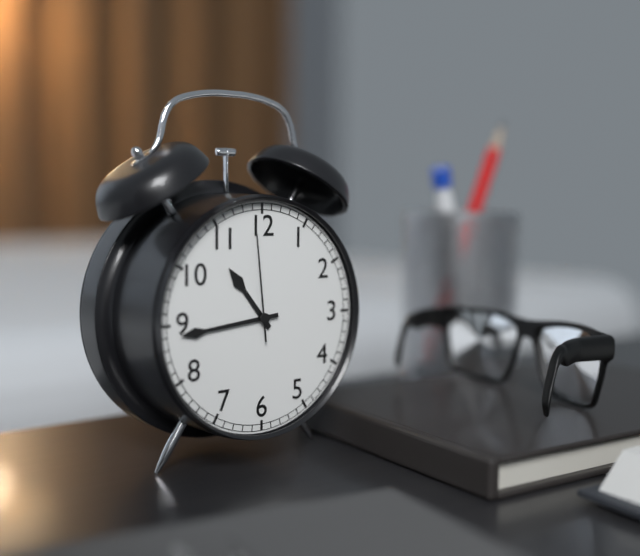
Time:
{"hour": 10, "minute": 44, "second": 59}
